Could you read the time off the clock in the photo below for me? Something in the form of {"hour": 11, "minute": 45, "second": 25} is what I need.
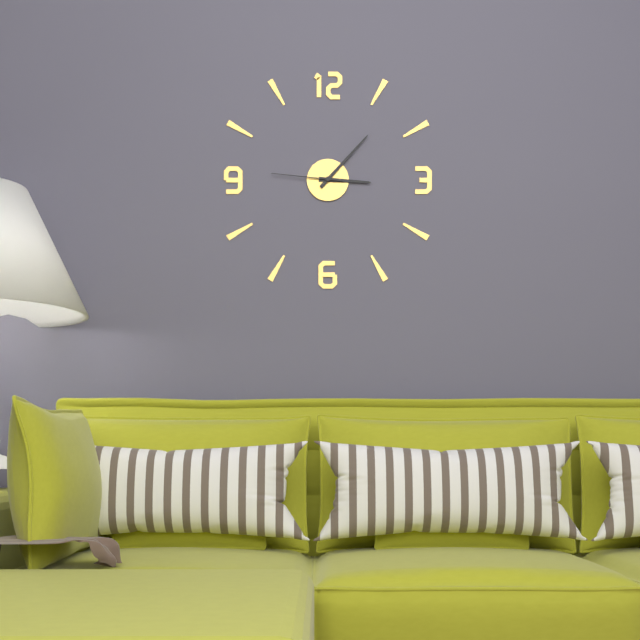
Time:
{"hour": 3, "minute": 7, "second": 46}
